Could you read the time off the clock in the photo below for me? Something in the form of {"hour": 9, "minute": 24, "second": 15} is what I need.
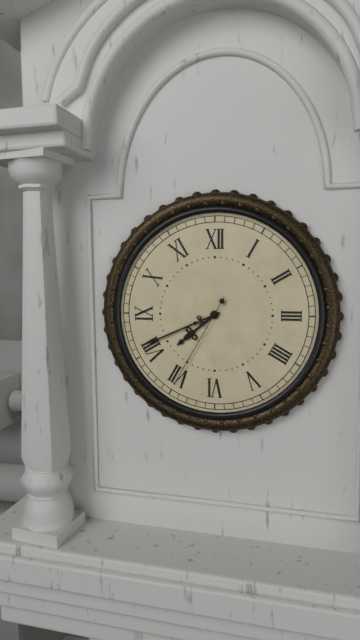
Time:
{"hour": 7, "minute": 41, "second": 35}
